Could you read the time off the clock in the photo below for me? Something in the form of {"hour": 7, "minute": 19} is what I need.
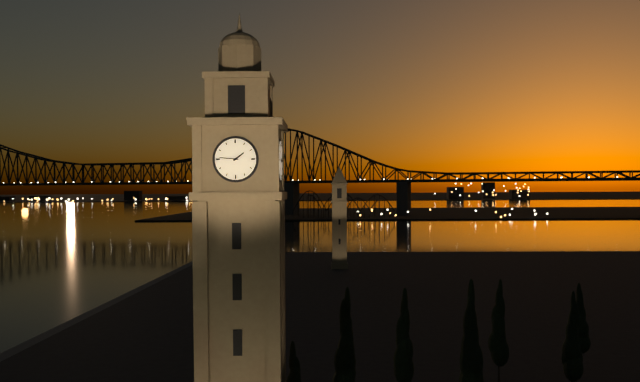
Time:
{"hour": 1, "minute": 46}
